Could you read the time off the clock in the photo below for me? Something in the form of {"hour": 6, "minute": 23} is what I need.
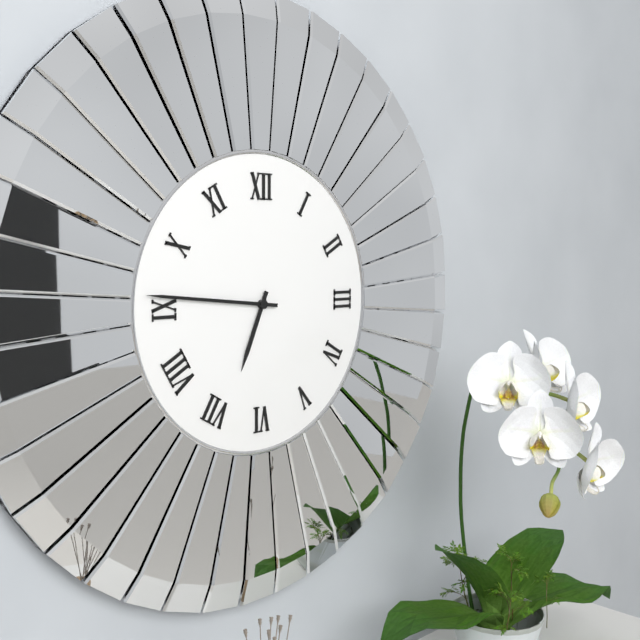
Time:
{"hour": 6, "minute": 46}
